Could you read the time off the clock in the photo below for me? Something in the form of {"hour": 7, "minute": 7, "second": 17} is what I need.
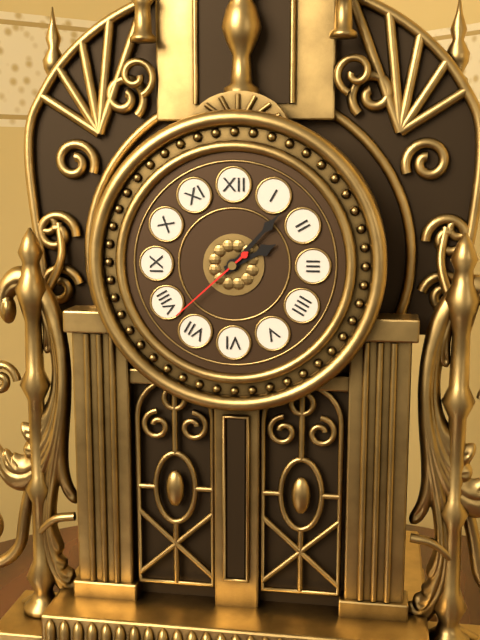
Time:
{"hour": 2, "minute": 7, "second": 38}
